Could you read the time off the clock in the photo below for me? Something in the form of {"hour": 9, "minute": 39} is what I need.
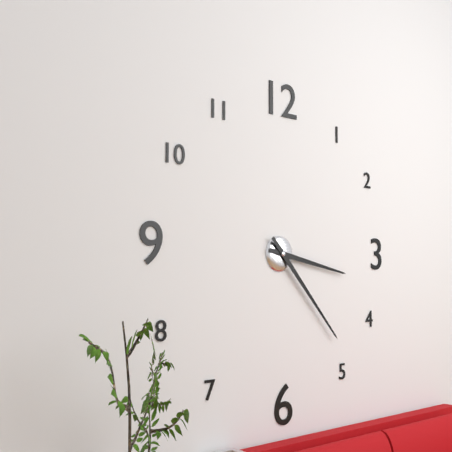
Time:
{"hour": 3, "minute": 23}
